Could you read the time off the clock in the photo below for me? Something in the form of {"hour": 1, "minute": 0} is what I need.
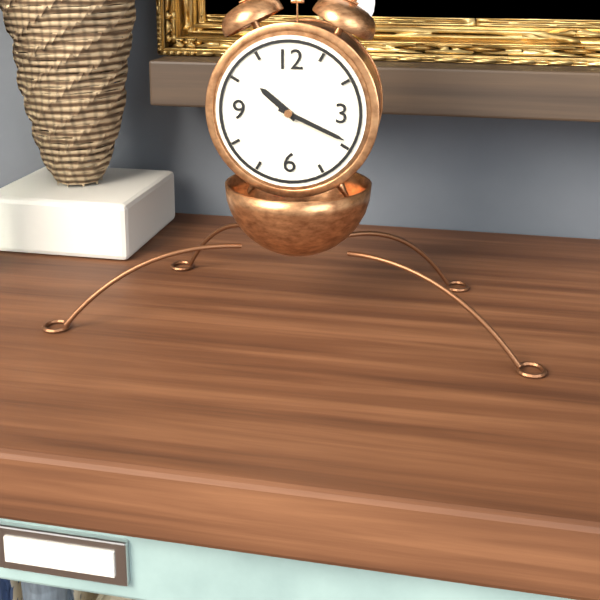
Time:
{"hour": 10, "minute": 19}
